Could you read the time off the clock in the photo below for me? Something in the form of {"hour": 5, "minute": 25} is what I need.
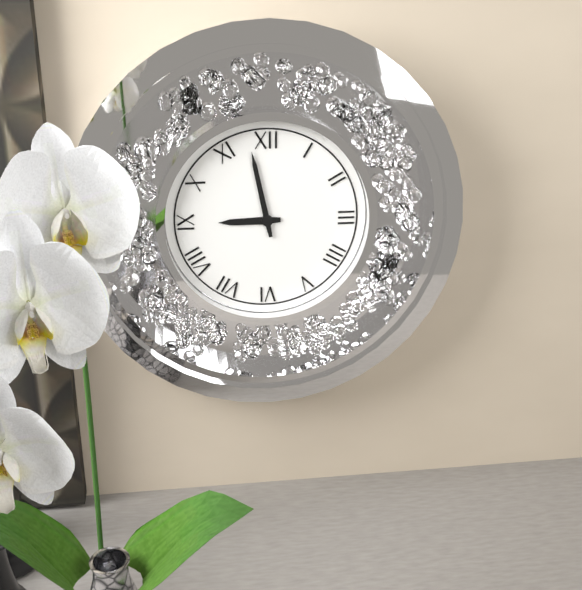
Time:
{"hour": 8, "minute": 58}
